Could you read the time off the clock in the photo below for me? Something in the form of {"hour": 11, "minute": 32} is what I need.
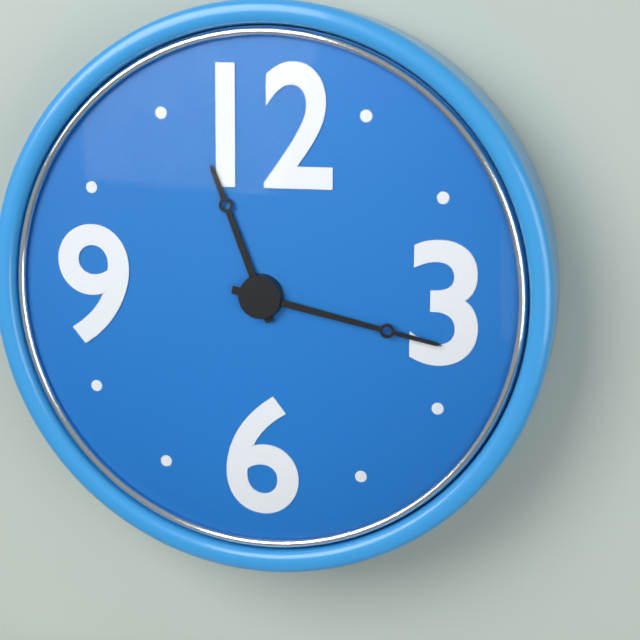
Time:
{"hour": 11, "minute": 17}
